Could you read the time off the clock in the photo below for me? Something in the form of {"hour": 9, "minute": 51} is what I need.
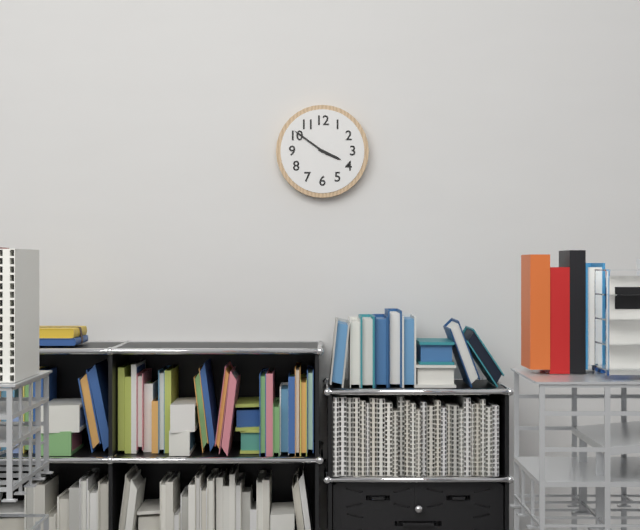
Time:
{"hour": 3, "minute": 51}
